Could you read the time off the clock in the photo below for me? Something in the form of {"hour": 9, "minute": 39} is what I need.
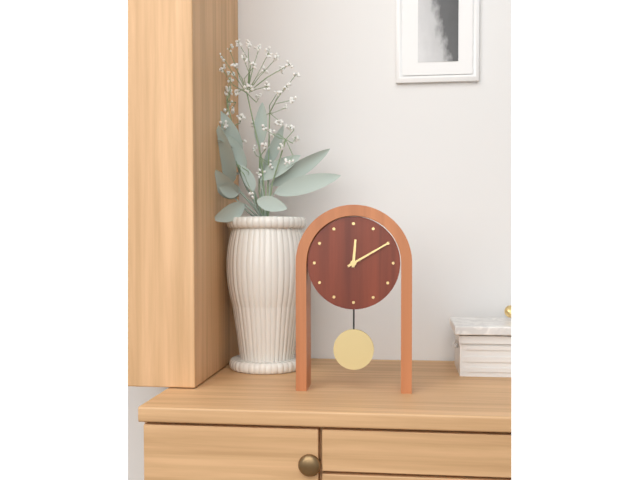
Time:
{"hour": 12, "minute": 10}
